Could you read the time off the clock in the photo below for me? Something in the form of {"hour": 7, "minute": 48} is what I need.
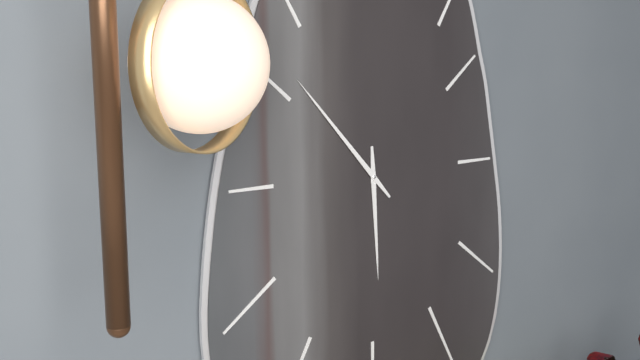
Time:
{"hour": 5, "minute": 53}
